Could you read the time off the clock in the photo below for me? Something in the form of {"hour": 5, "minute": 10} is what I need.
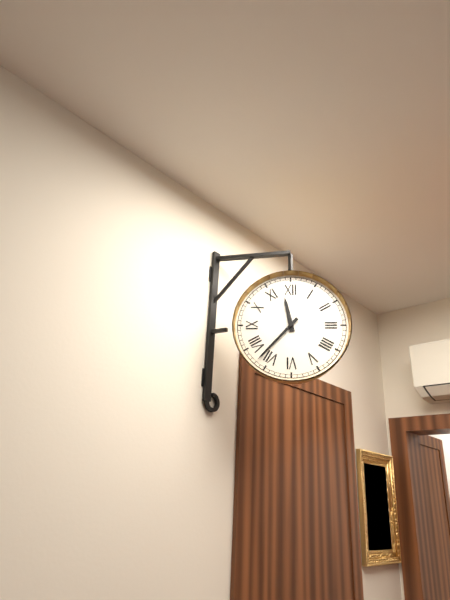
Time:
{"hour": 11, "minute": 37}
